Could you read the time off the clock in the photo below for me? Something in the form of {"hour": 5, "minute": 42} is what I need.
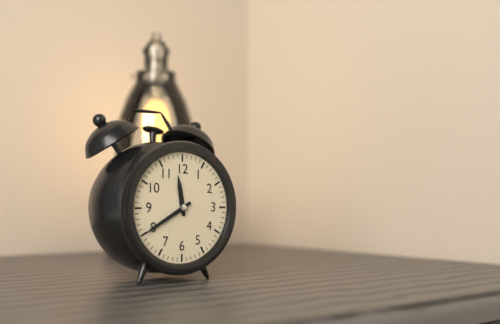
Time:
{"hour": 11, "minute": 40}
